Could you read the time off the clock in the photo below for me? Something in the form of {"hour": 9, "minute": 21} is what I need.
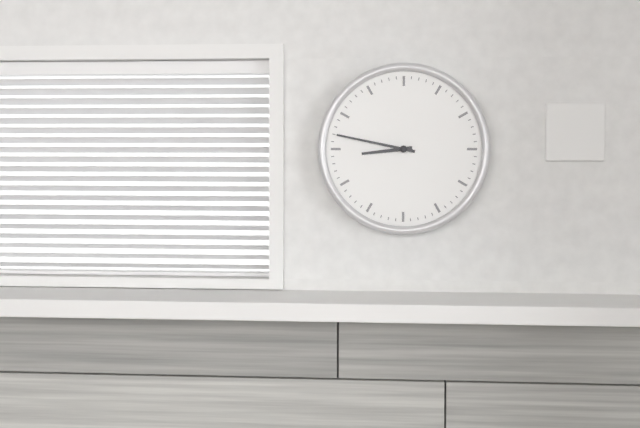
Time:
{"hour": 8, "minute": 47}
